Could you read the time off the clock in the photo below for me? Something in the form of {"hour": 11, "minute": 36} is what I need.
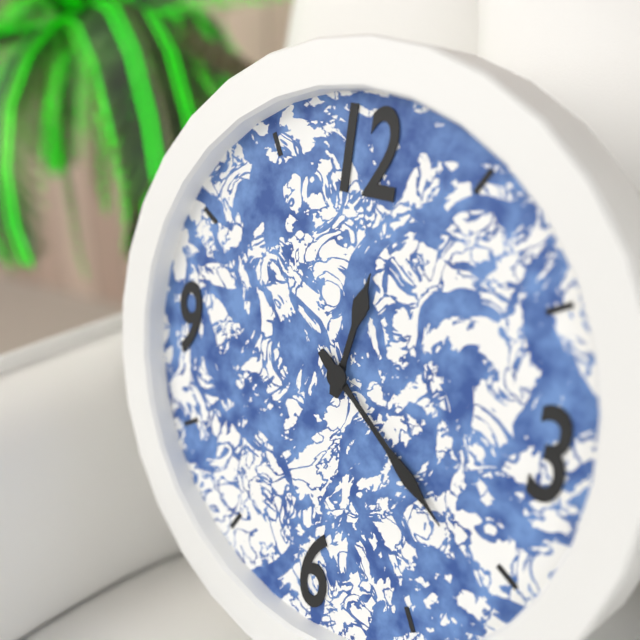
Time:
{"hour": 12, "minute": 21}
